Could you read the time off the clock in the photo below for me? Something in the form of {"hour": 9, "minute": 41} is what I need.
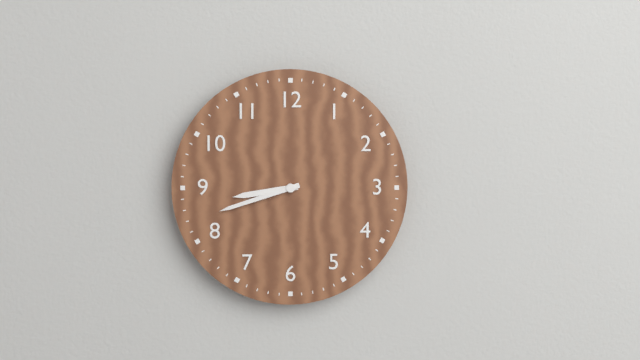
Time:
{"hour": 8, "minute": 42}
